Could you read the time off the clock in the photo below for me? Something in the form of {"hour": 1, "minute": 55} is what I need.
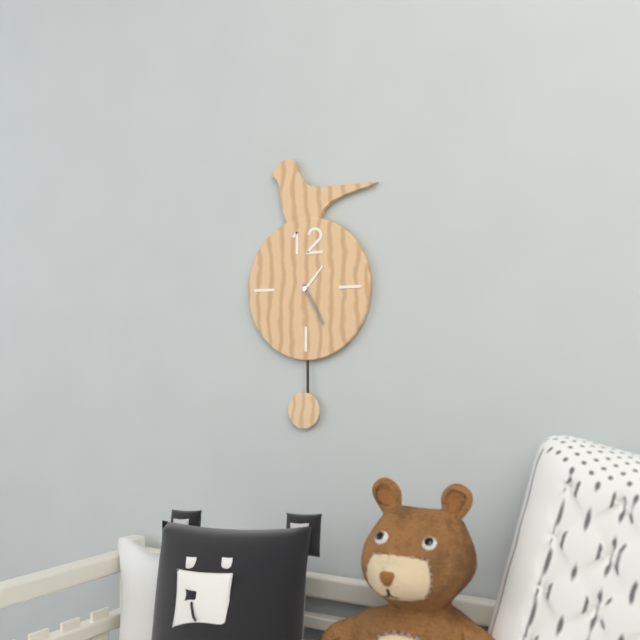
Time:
{"hour": 1, "minute": 25}
